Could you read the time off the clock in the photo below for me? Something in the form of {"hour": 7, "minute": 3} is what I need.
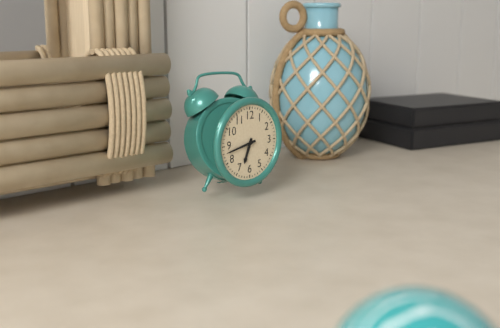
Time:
{"hour": 6, "minute": 43}
